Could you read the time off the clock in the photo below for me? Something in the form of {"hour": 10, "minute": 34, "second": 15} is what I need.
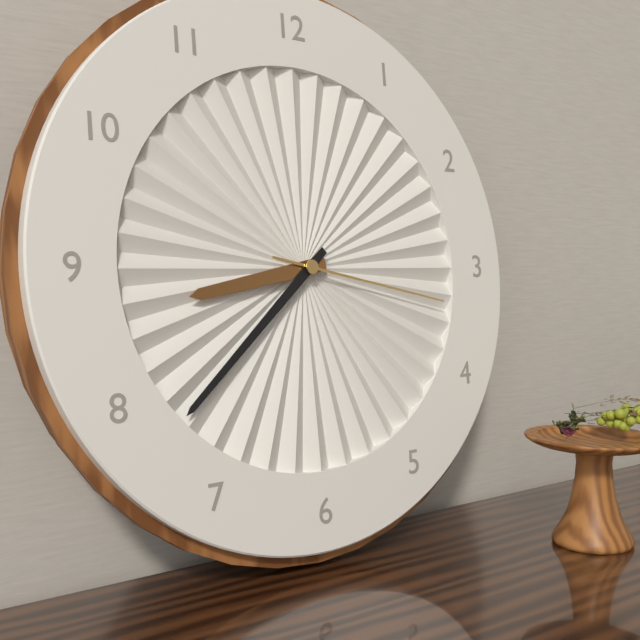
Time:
{"hour": 8, "minute": 38, "second": 17}
